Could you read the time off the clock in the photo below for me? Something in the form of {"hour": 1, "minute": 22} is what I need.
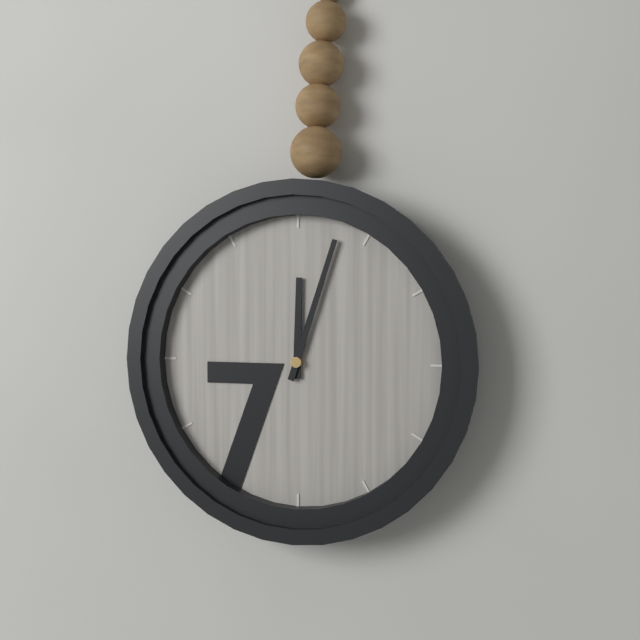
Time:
{"hour": 12, "minute": 3}
